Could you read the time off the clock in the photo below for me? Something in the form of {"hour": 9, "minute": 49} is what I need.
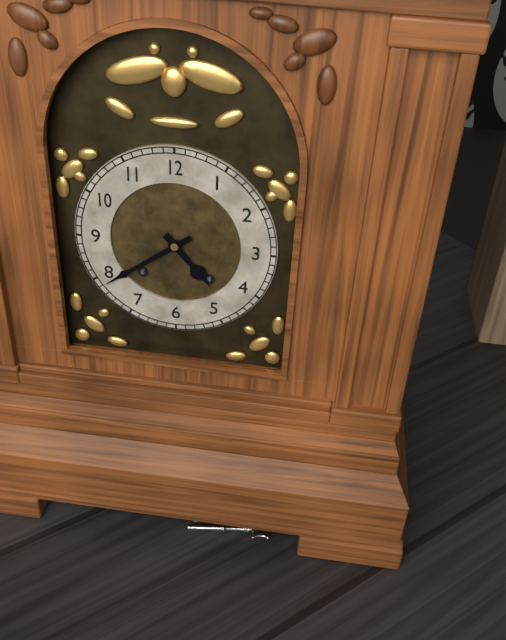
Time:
{"hour": 4, "minute": 39}
